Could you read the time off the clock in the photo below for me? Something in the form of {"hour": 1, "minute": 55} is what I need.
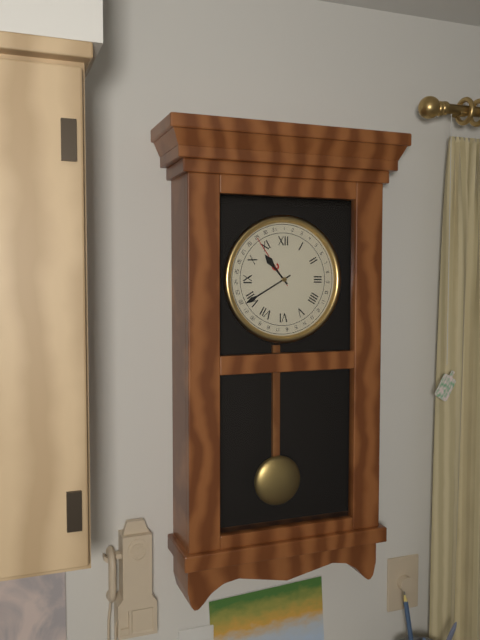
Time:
{"hour": 10, "minute": 40}
